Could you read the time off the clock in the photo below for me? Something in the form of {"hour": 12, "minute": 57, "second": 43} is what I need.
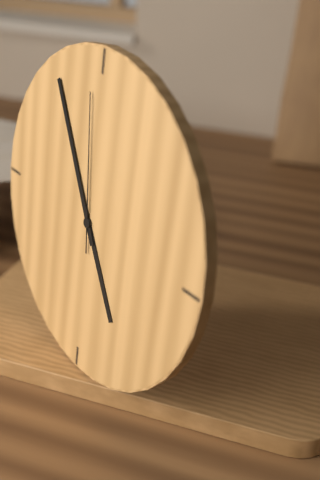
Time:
{"hour": 4, "minute": 55, "second": 59}
